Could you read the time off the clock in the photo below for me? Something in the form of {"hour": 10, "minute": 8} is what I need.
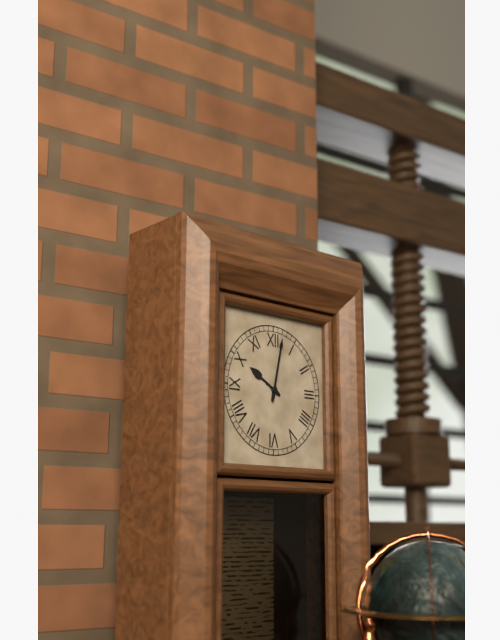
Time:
{"hour": 10, "minute": 2}
